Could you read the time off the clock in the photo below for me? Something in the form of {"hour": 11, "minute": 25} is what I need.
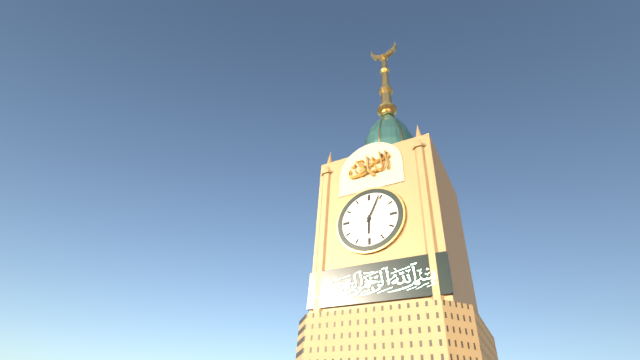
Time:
{"hour": 6, "minute": 4}
